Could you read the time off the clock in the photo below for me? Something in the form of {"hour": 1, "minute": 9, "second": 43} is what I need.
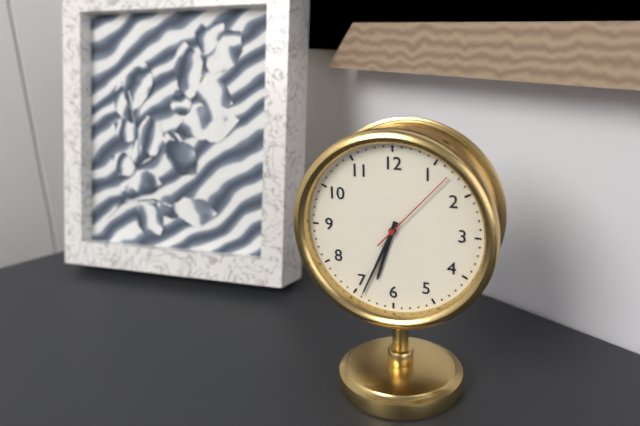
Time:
{"hour": 6, "minute": 34, "second": 7}
